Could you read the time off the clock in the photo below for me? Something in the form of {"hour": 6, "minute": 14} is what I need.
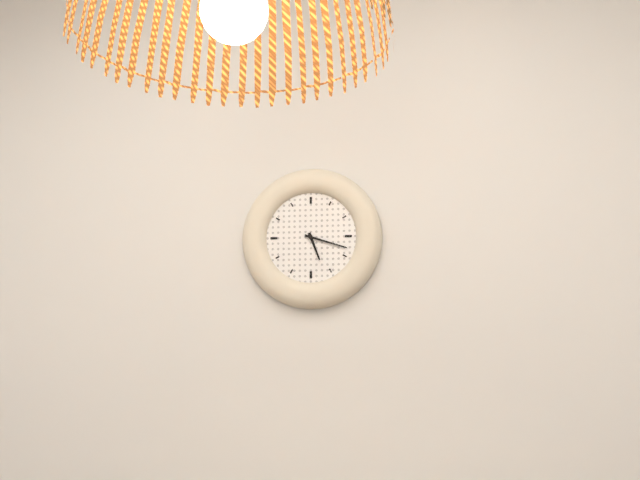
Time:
{"hour": 5, "minute": 18}
